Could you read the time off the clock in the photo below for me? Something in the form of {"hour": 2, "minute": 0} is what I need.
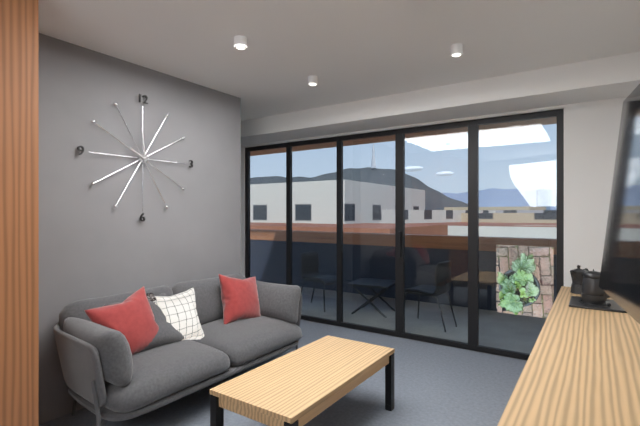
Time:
{"hour": 9, "minute": 59}
